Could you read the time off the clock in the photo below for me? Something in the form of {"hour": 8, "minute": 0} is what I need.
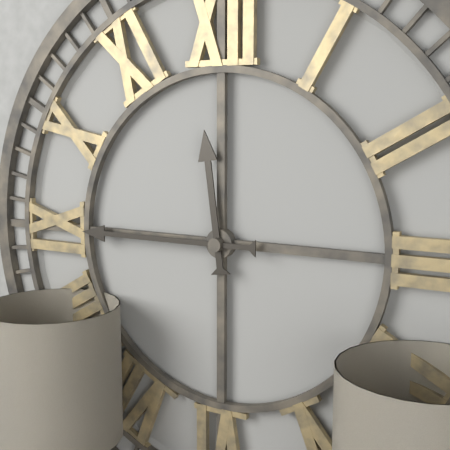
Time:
{"hour": 11, "minute": 45}
